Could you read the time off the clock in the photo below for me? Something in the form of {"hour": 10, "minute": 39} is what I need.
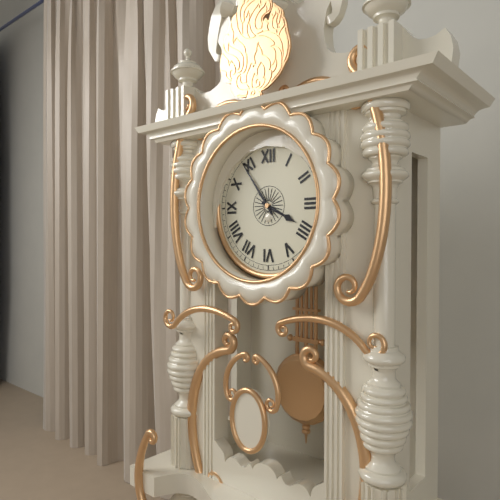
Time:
{"hour": 3, "minute": 54}
